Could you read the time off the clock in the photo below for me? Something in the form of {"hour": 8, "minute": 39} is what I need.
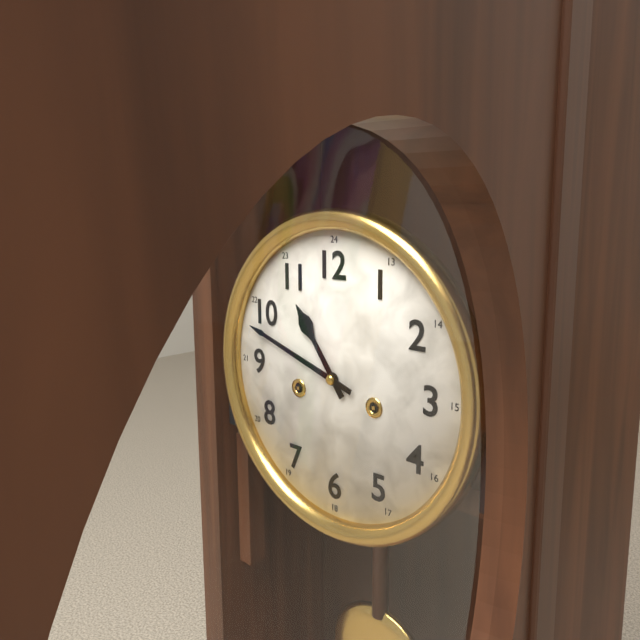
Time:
{"hour": 10, "minute": 48}
